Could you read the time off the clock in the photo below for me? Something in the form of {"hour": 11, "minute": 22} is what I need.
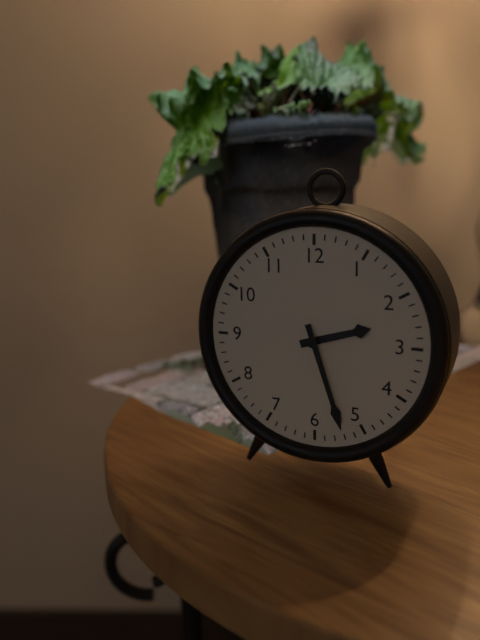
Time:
{"hour": 2, "minute": 27}
